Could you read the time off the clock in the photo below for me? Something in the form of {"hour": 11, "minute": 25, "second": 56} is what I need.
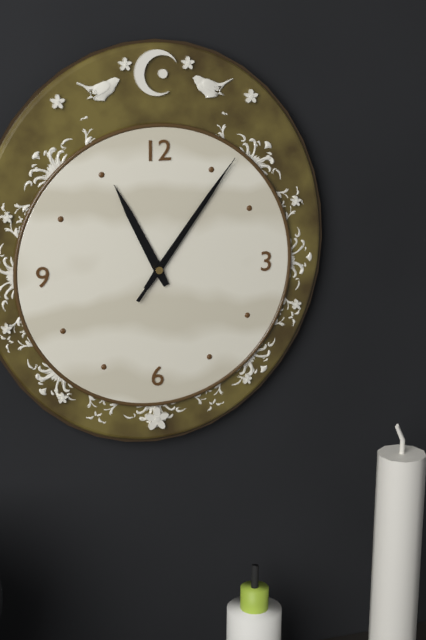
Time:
{"hour": 11, "minute": 6, "second": 6}
